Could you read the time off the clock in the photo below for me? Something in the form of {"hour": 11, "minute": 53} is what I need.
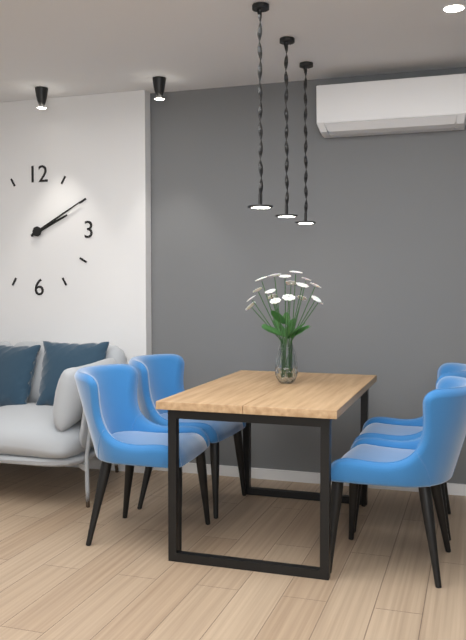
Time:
{"hour": 2, "minute": 10}
